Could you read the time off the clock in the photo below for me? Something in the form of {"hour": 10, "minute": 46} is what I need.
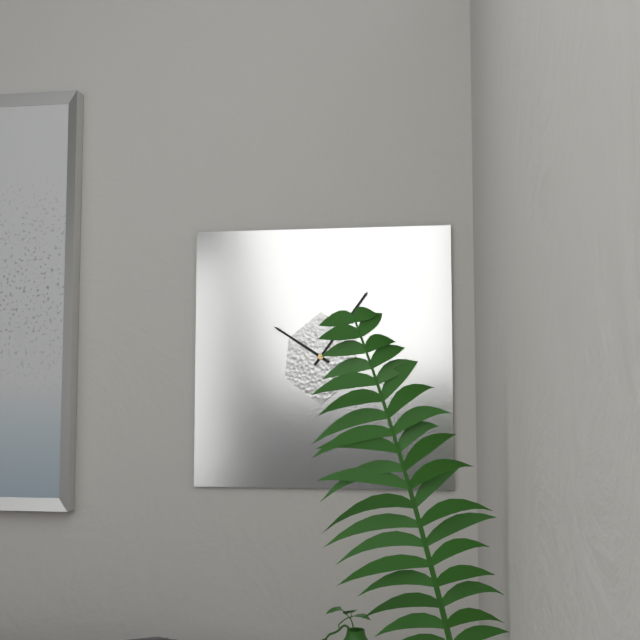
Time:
{"hour": 10, "minute": 6}
